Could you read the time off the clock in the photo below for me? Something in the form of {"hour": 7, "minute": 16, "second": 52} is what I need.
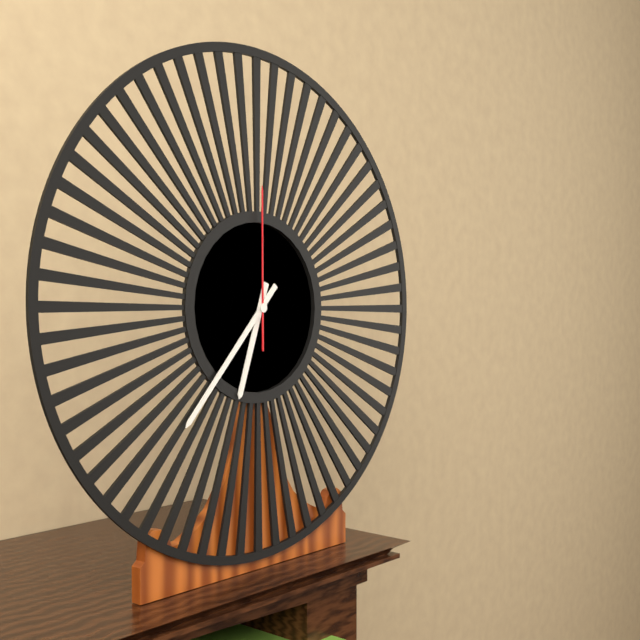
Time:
{"hour": 6, "minute": 37, "second": 0}
